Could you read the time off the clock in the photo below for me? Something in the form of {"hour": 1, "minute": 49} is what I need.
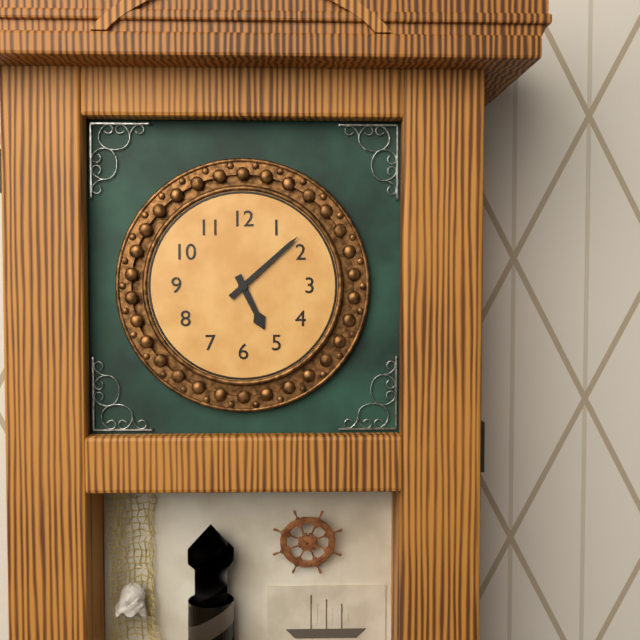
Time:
{"hour": 5, "minute": 8}
